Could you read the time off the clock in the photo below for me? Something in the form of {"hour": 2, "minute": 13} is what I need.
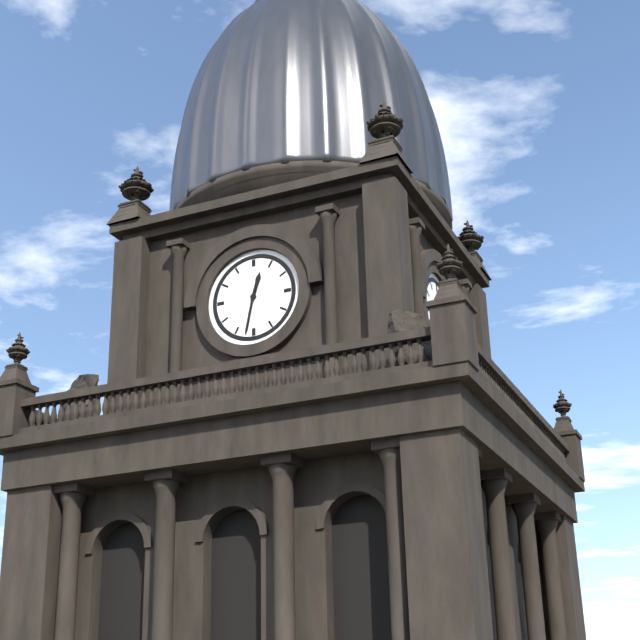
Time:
{"hour": 12, "minute": 32}
